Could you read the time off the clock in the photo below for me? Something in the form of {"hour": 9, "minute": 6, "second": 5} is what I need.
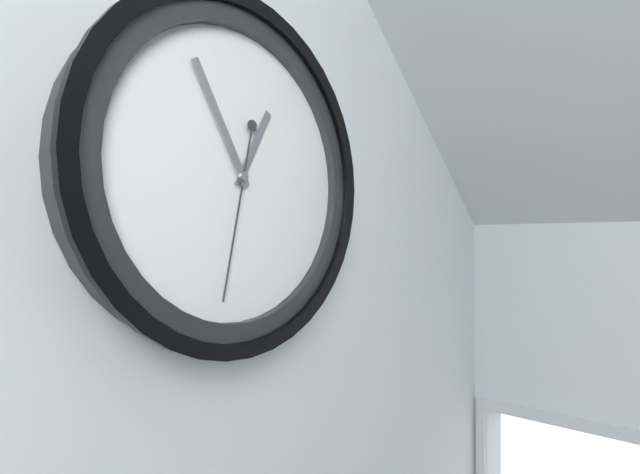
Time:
{"hour": 12, "minute": 55, "second": 32}
